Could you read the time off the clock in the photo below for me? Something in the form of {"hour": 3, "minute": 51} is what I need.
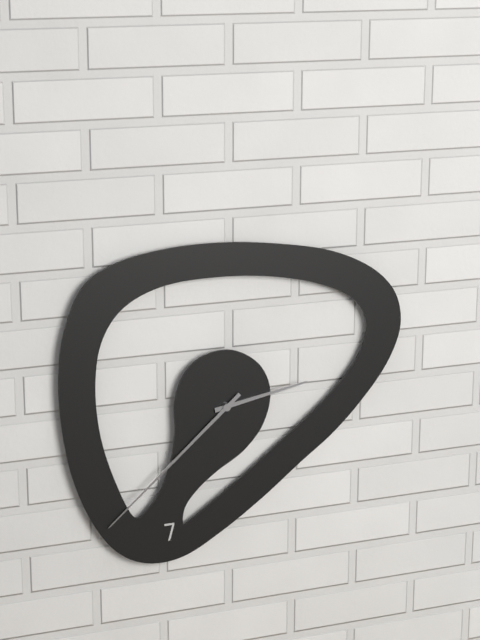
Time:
{"hour": 2, "minute": 38}
